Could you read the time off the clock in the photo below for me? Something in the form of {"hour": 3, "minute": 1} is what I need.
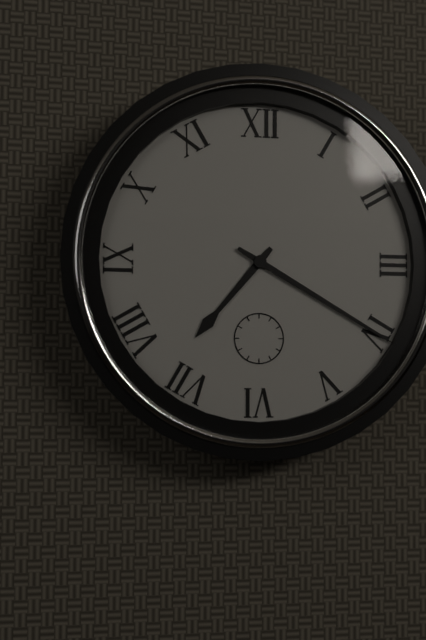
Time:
{"hour": 7, "minute": 20}
